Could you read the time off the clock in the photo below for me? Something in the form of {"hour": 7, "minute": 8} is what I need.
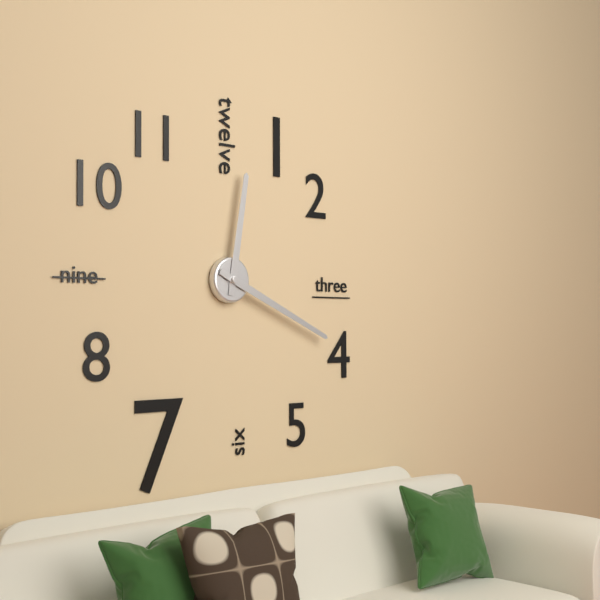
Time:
{"hour": 12, "minute": 19}
